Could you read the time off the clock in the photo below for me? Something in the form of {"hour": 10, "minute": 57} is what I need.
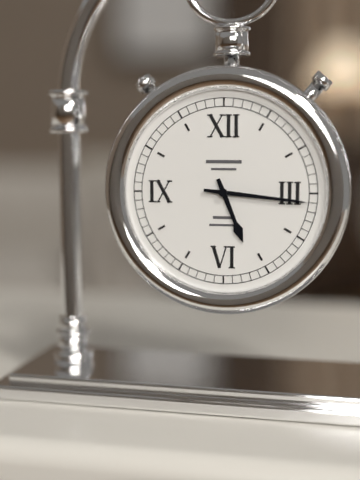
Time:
{"hour": 5, "minute": 16}
